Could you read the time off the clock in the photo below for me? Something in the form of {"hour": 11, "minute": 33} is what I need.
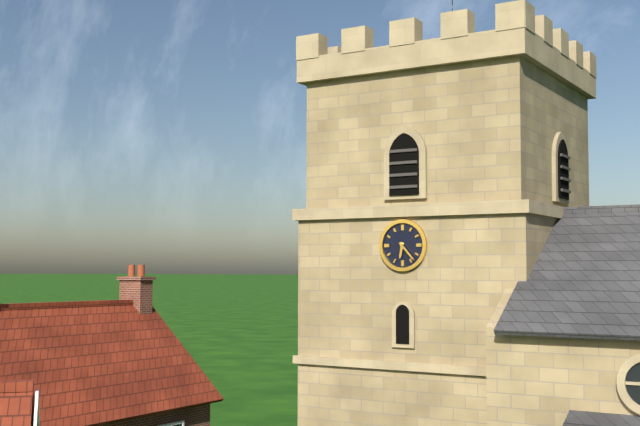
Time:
{"hour": 6, "minute": 23}
